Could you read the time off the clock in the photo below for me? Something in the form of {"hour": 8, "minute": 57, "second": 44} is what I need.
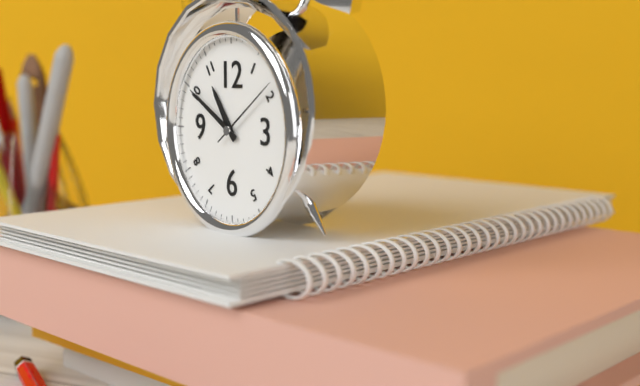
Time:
{"hour": 10, "minute": 50, "second": 9}
